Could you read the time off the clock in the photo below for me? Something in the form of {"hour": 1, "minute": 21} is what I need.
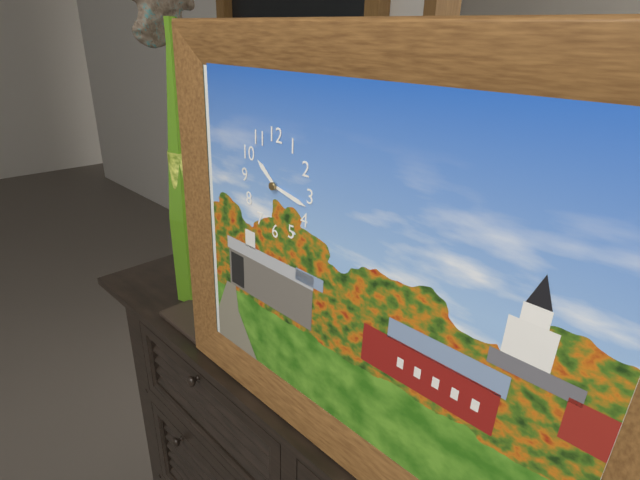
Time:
{"hour": 10, "minute": 17}
